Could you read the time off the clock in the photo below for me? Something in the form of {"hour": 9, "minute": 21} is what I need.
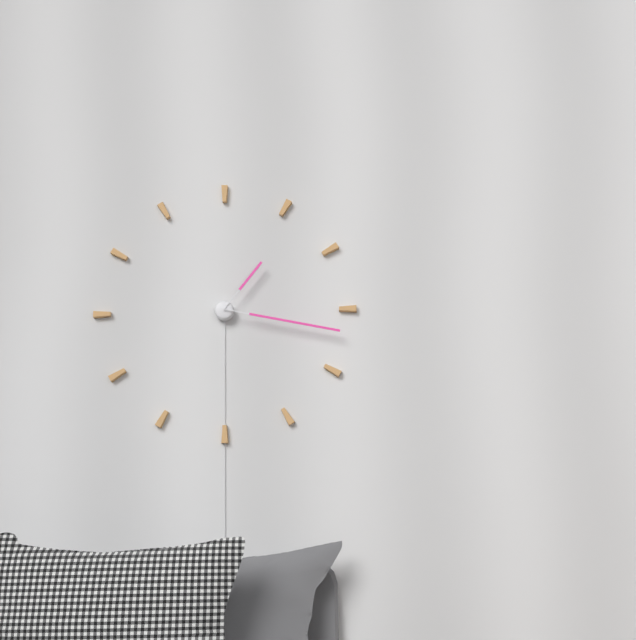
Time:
{"hour": 1, "minute": 17}
